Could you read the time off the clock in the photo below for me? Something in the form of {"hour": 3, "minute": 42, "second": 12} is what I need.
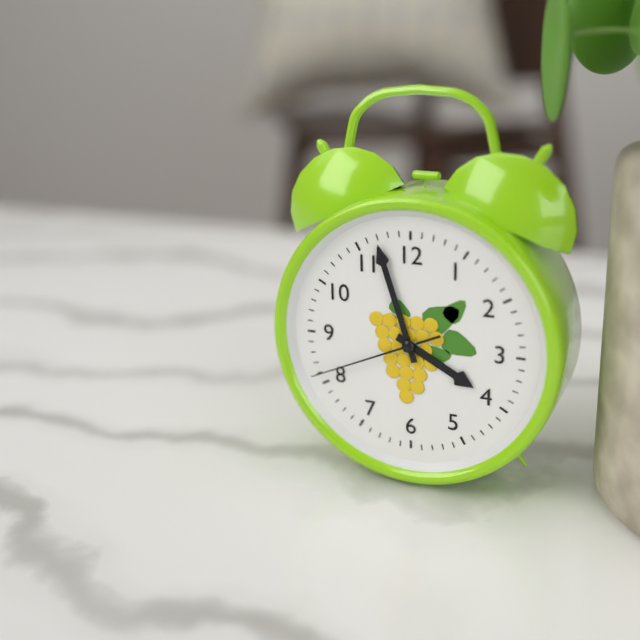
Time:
{"hour": 3, "minute": 57, "second": 41}
